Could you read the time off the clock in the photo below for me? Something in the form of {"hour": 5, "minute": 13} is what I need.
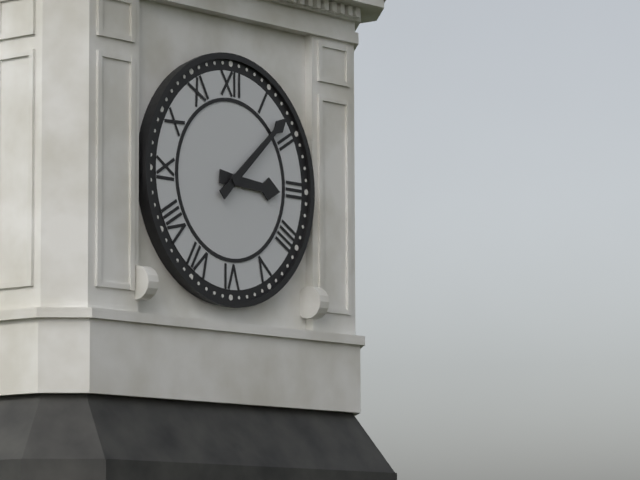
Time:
{"hour": 3, "minute": 8}
